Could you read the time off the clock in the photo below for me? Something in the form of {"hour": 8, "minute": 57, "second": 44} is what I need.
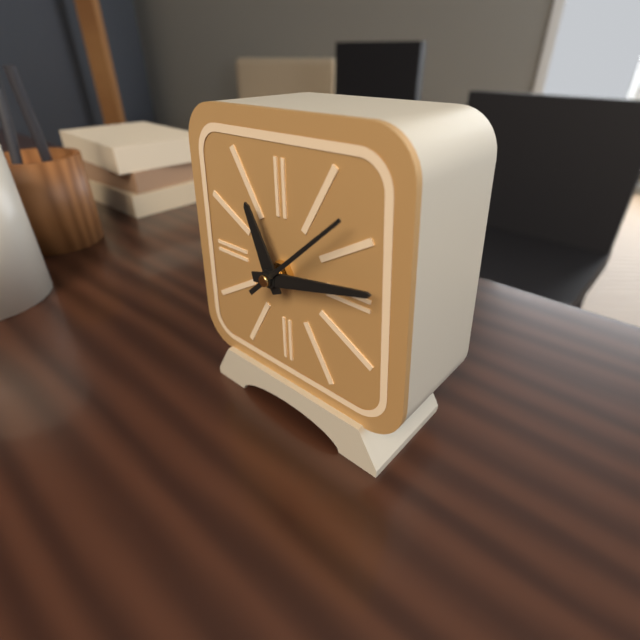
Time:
{"hour": 11, "minute": 13, "second": 8}
